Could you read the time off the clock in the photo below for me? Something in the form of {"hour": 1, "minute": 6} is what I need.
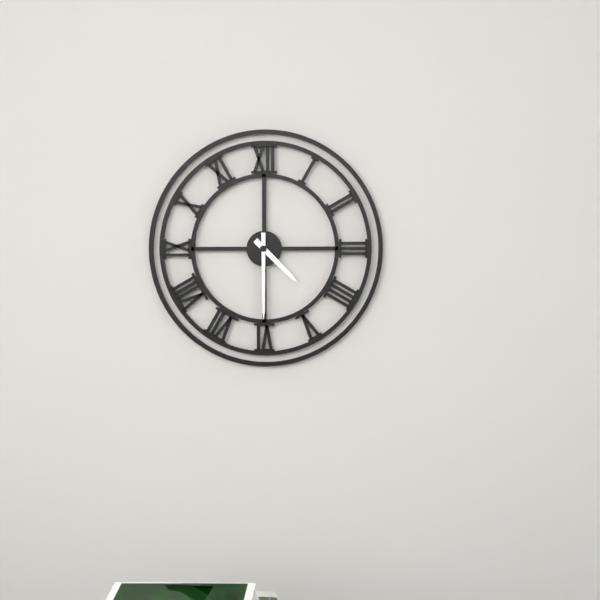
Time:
{"hour": 4, "minute": 30}
